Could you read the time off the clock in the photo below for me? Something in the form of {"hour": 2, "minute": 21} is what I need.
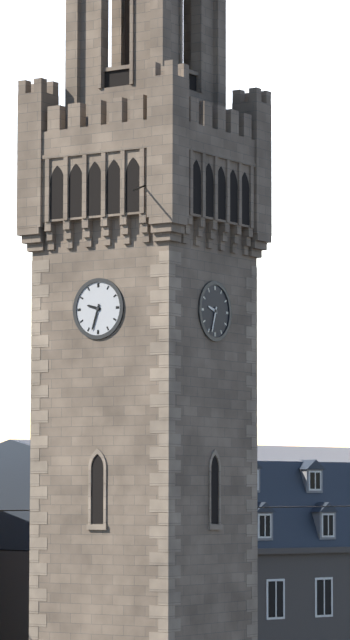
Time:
{"hour": 9, "minute": 33}
